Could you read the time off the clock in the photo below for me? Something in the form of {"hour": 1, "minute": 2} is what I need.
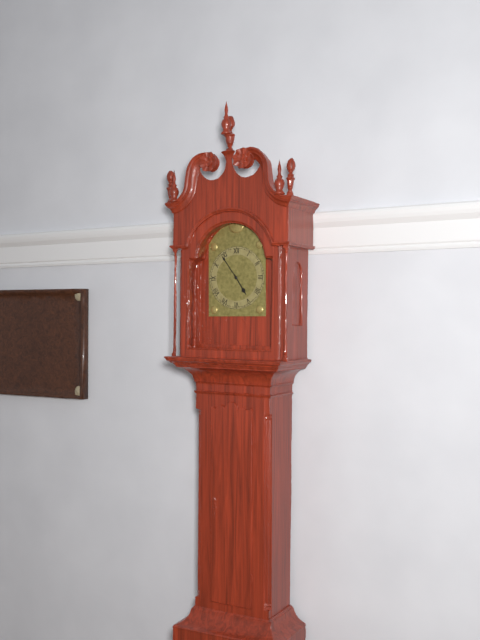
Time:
{"hour": 4, "minute": 54}
